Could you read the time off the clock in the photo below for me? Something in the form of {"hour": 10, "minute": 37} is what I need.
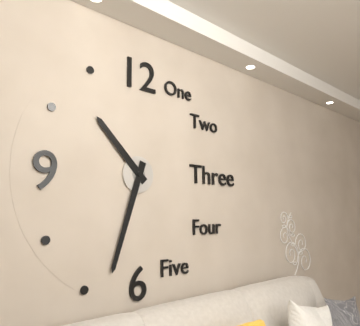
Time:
{"hour": 10, "minute": 33}
